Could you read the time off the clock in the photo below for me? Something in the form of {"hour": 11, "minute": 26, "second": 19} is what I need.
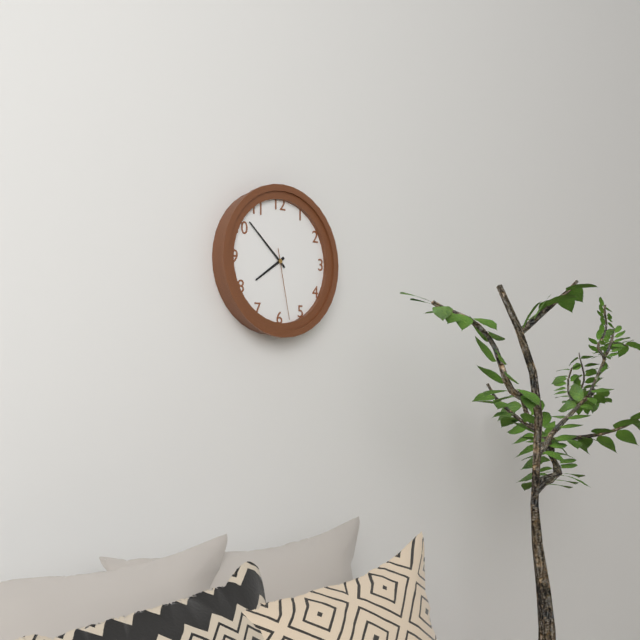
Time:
{"hour": 7, "minute": 52, "second": 28}
